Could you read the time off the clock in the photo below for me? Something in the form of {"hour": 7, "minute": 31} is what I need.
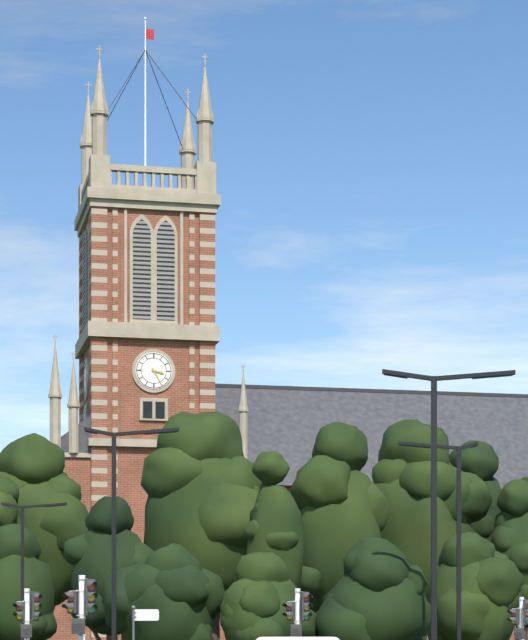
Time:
{"hour": 3, "minute": 25}
